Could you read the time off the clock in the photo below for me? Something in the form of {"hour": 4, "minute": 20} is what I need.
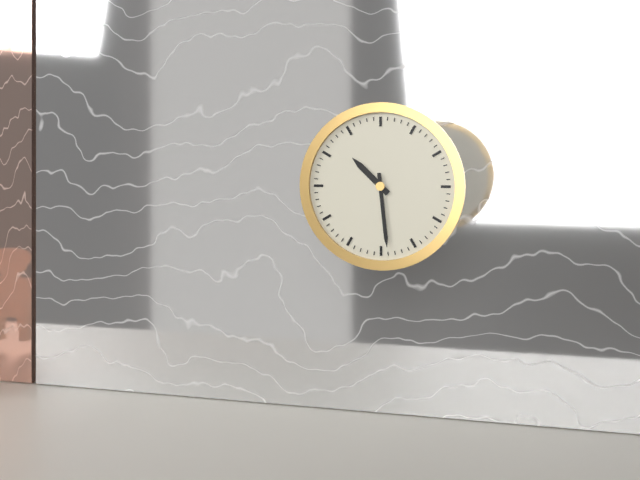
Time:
{"hour": 10, "minute": 29}
